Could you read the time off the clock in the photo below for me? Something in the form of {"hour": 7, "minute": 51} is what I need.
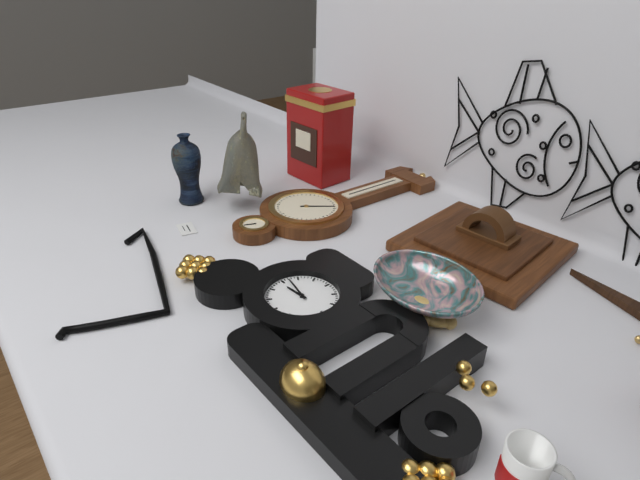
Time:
{"hour": 8, "minute": 47}
